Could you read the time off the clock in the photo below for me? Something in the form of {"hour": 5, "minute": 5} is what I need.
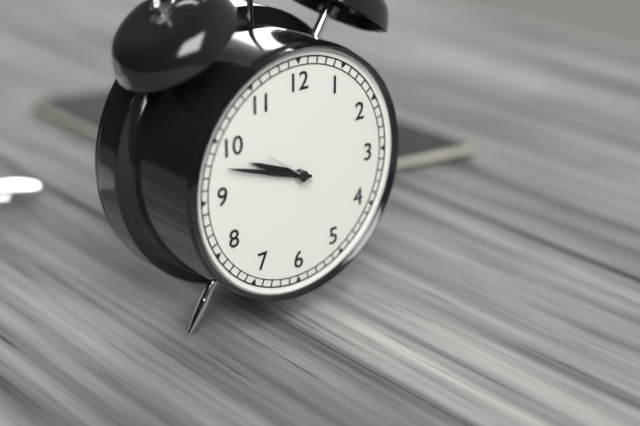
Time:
{"hour": 9, "minute": 48}
